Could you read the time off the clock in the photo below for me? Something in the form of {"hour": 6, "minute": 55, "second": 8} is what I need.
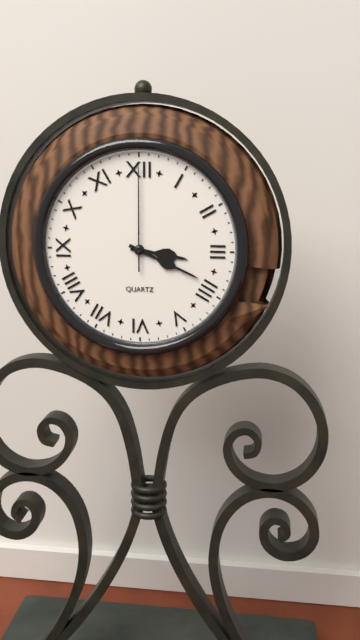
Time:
{"hour": 3, "minute": 19, "second": 0}
